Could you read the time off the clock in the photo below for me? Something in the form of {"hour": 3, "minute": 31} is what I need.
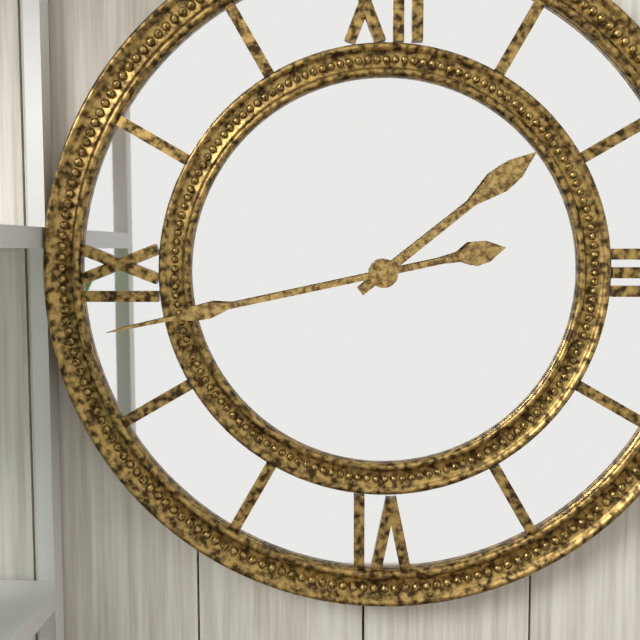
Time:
{"hour": 1, "minute": 43}
